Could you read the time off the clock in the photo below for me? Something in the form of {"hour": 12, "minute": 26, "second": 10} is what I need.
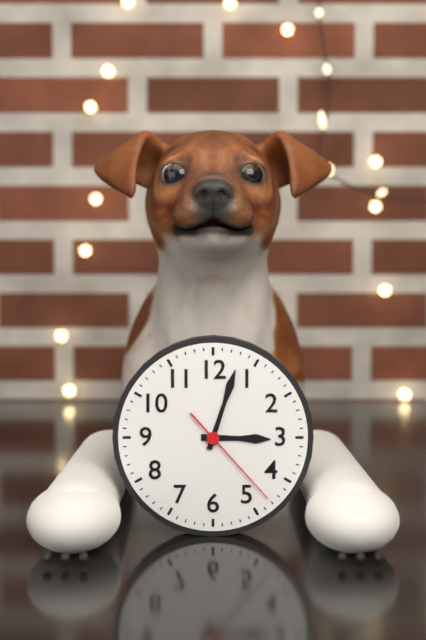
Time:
{"hour": 3, "minute": 3, "second": 23}
